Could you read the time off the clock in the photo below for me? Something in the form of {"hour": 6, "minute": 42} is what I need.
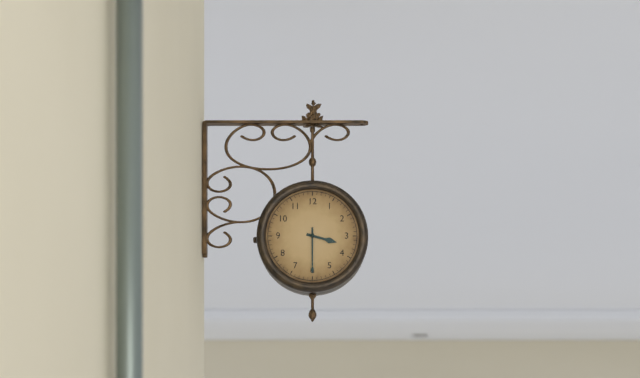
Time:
{"hour": 3, "minute": 30}
